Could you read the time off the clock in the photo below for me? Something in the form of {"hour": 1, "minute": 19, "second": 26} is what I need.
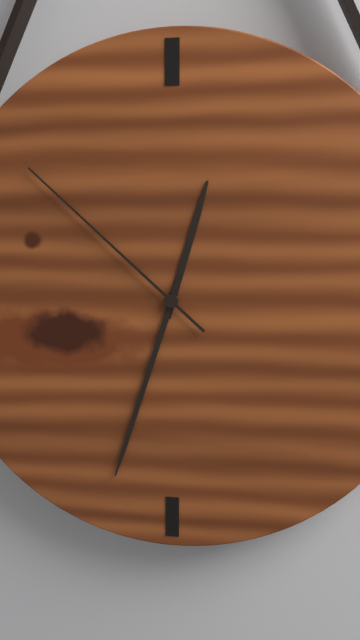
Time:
{"hour": 12, "minute": 33, "second": 52}
